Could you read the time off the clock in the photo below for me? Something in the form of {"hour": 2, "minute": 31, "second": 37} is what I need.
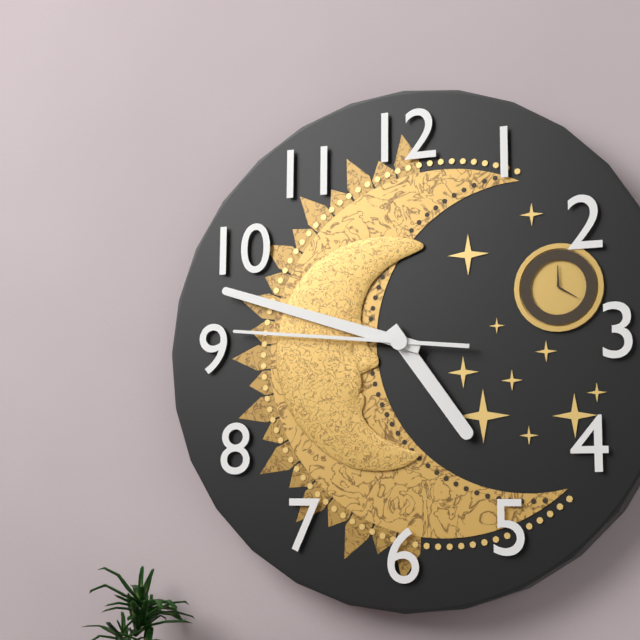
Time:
{"hour": 4, "minute": 48, "second": 46}
